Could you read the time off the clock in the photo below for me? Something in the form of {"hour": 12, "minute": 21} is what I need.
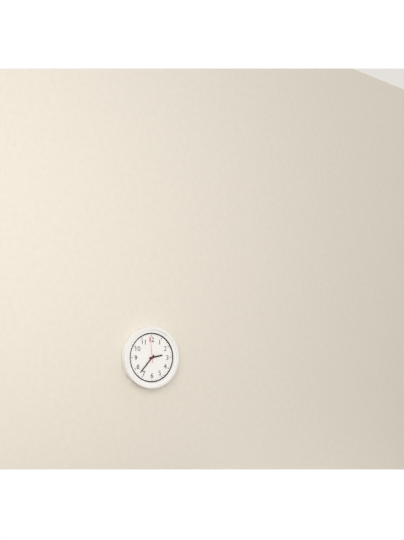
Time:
{"hour": 2, "minute": 37}
